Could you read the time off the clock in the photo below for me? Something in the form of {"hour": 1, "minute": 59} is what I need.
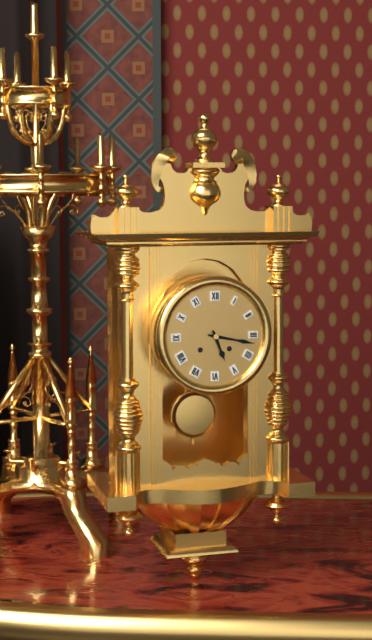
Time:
{"hour": 5, "minute": 17}
